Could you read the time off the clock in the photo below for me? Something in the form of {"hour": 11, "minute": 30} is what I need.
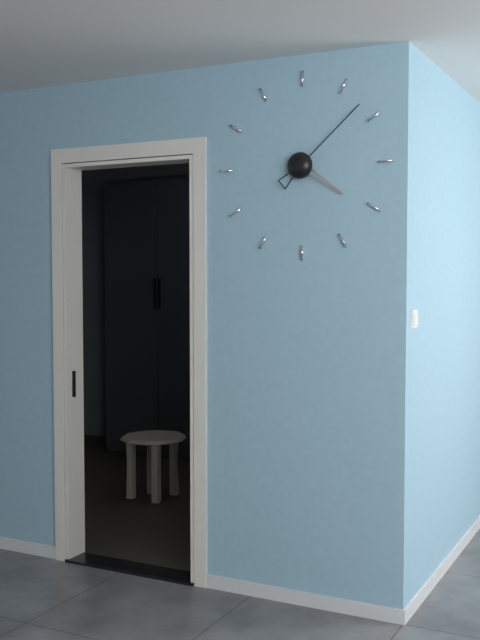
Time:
{"hour": 4, "minute": 8}
